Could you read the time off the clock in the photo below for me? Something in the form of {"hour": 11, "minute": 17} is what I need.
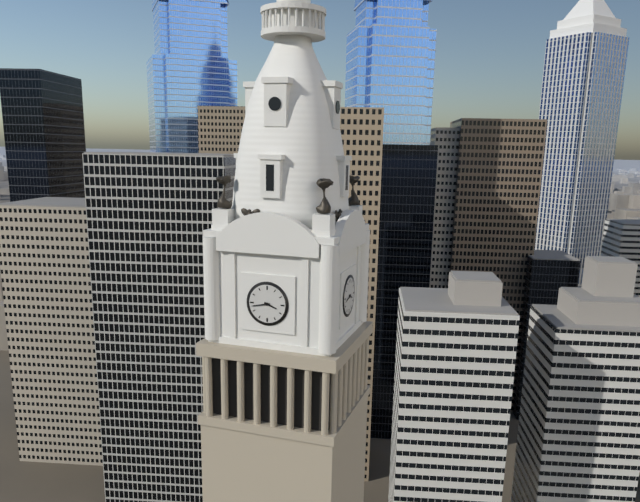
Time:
{"hour": 3, "minute": 43}
